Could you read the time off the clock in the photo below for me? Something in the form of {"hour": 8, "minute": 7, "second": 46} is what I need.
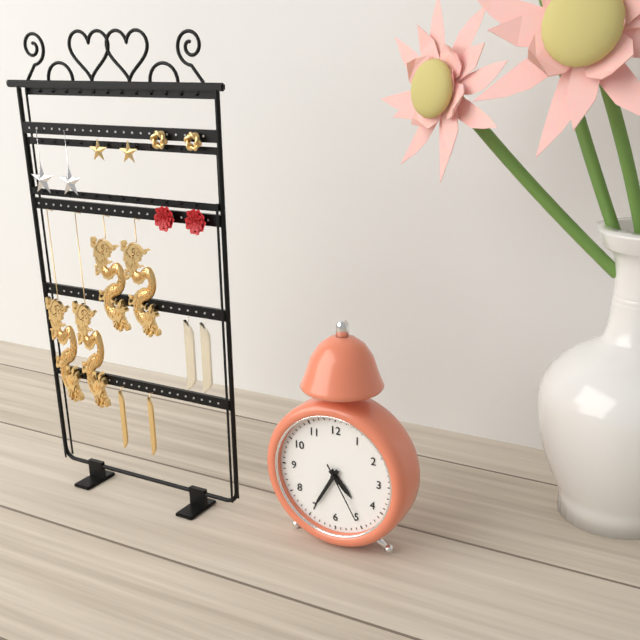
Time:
{"hour": 4, "minute": 35, "second": 25}
